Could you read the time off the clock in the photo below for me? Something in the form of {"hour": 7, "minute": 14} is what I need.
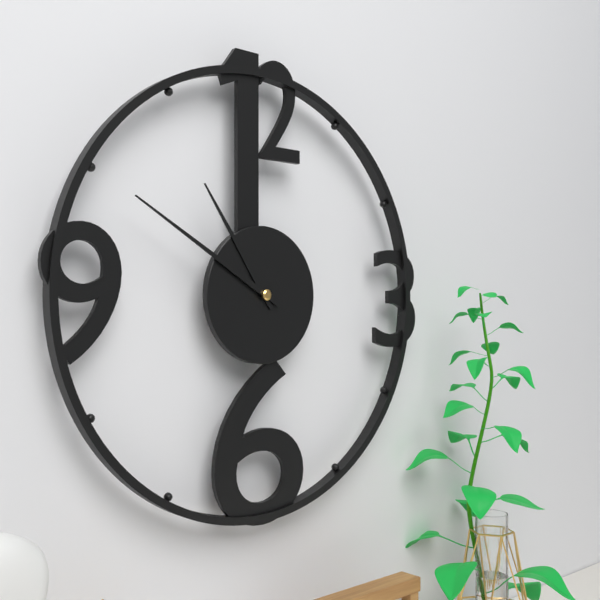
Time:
{"hour": 10, "minute": 50}
